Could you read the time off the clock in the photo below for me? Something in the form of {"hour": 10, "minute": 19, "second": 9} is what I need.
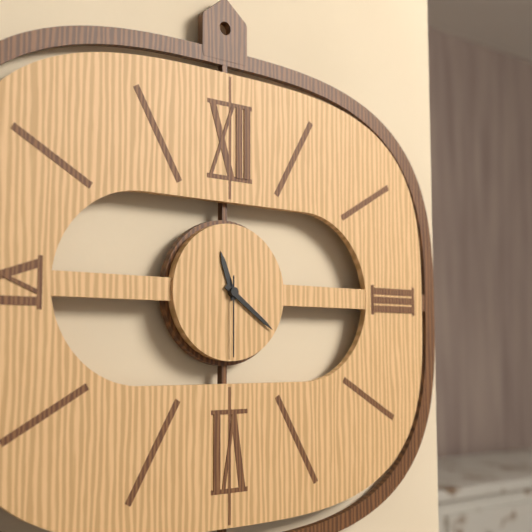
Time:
{"hour": 11, "minute": 21, "second": 30}
